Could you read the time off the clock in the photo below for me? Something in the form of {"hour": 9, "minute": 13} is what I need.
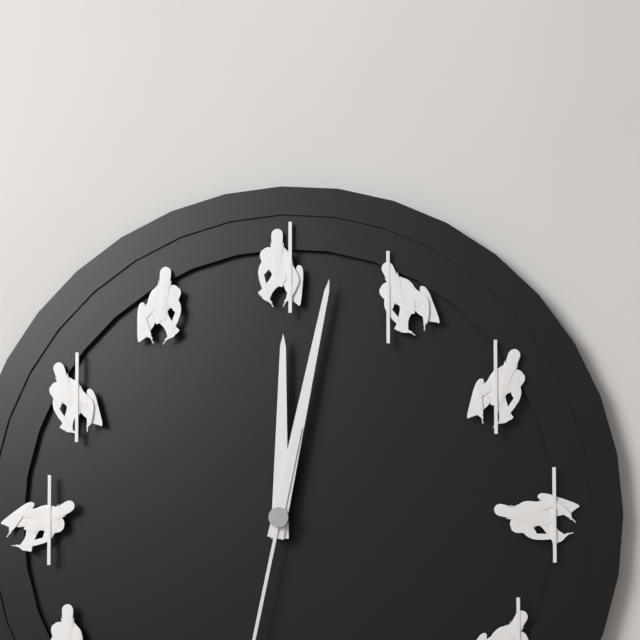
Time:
{"hour": 12, "minute": 2}
